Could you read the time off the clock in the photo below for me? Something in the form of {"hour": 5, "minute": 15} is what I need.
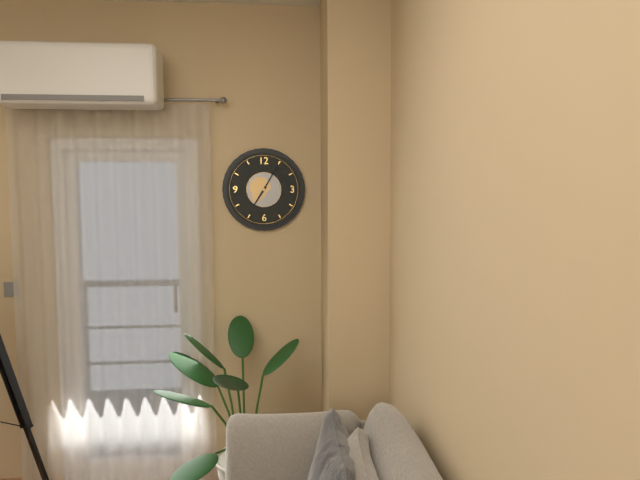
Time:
{"hour": 7, "minute": 5}
